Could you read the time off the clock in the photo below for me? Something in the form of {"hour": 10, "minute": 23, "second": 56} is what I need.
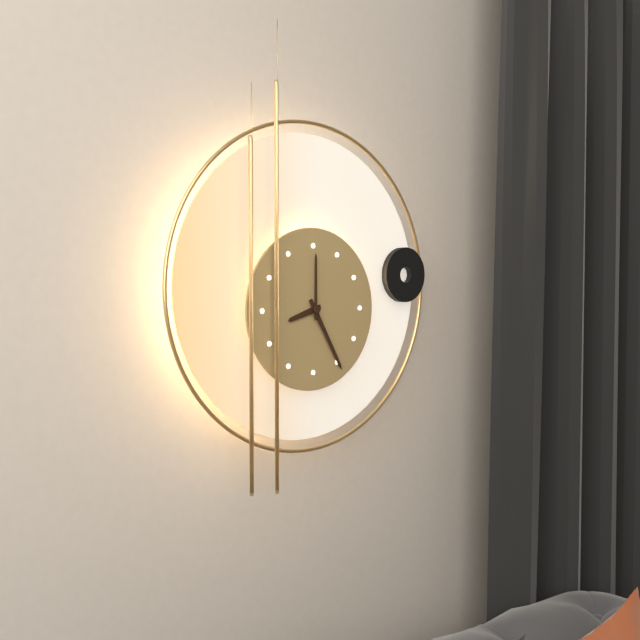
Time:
{"hour": 8, "minute": 25, "second": 0}
